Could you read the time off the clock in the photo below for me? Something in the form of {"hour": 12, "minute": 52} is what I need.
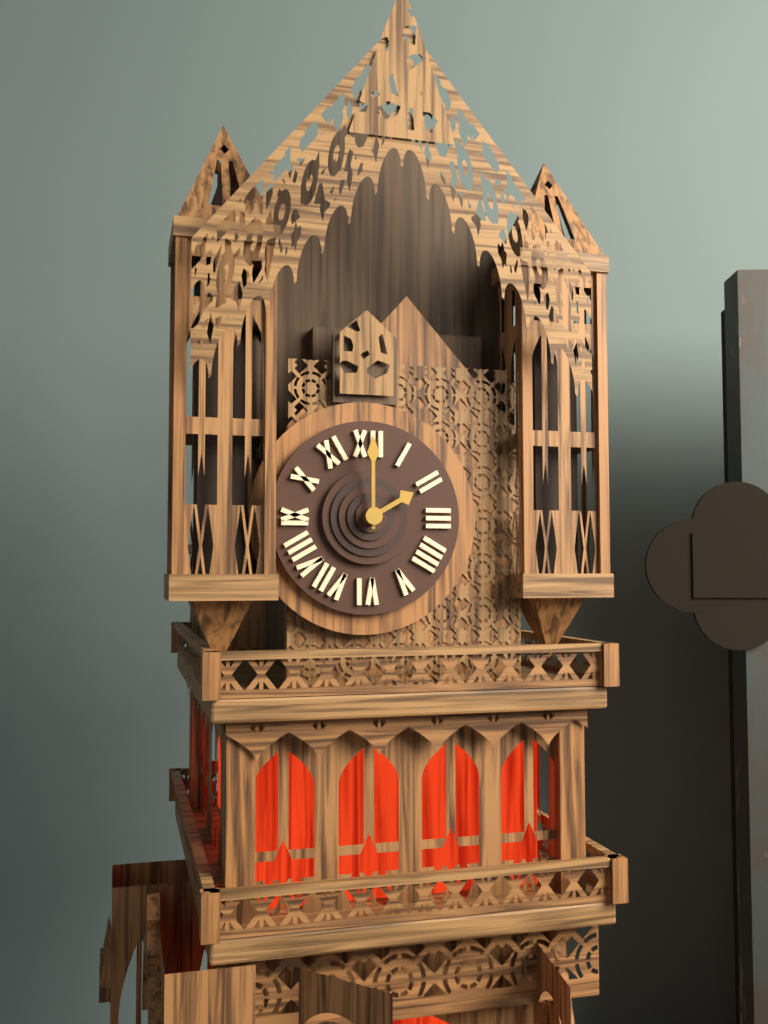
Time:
{"hour": 2, "minute": 0}
